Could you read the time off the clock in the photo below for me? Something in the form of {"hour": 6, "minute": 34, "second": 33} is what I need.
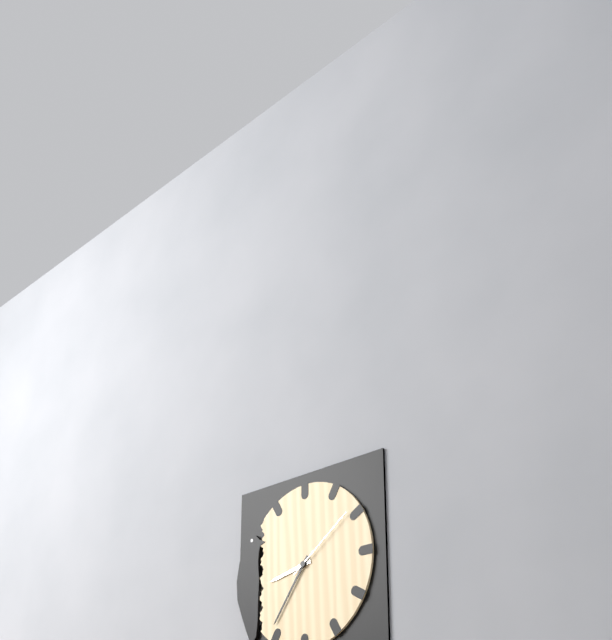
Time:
{"hour": 8, "minute": 36, "second": 9}
